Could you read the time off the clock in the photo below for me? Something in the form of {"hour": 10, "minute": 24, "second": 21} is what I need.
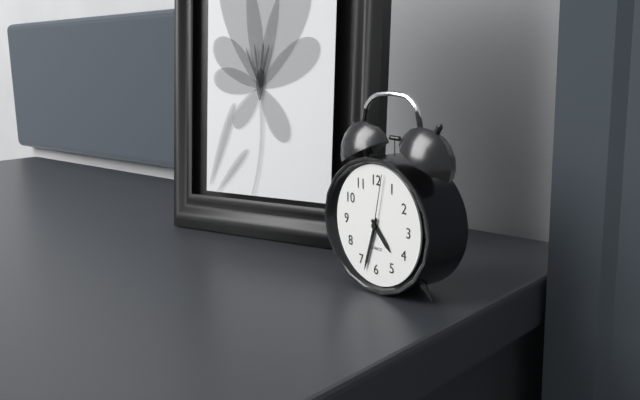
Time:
{"hour": 4, "minute": 33, "second": 2}
